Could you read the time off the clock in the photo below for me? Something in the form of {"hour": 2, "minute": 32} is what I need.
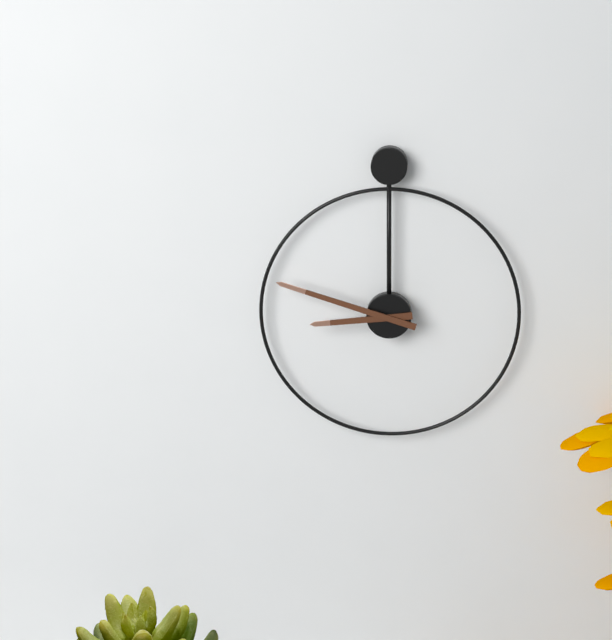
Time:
{"hour": 8, "minute": 48}
